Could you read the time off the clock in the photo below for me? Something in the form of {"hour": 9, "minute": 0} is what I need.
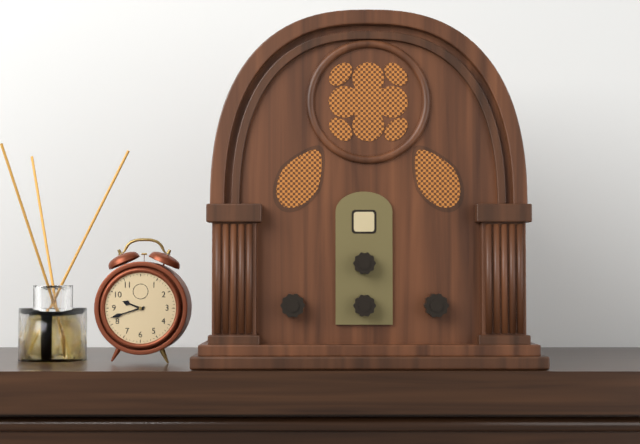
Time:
{"hour": 9, "minute": 42}
